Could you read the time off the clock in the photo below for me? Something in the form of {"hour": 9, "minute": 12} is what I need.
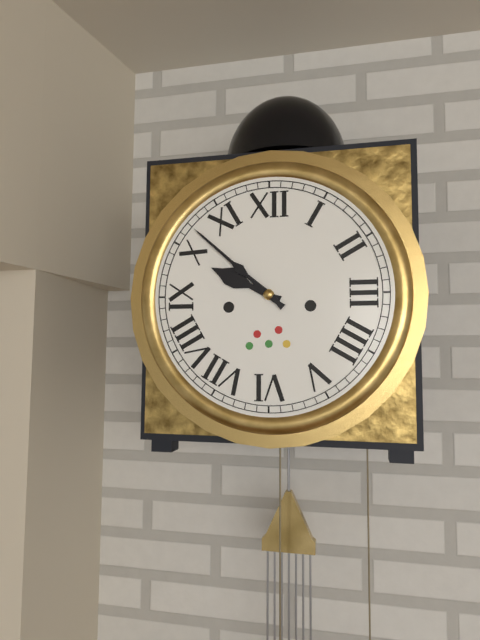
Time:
{"hour": 9, "minute": 52}
